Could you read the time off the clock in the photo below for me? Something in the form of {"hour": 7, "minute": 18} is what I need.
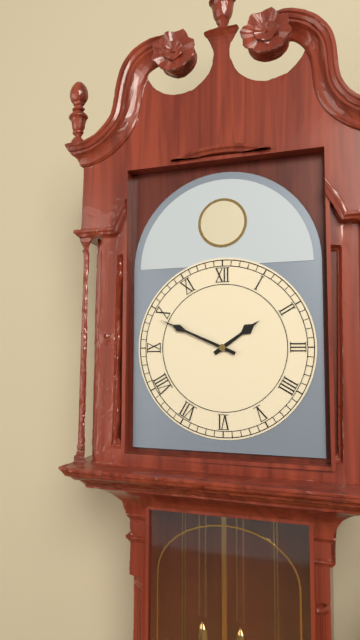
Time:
{"hour": 1, "minute": 49}
